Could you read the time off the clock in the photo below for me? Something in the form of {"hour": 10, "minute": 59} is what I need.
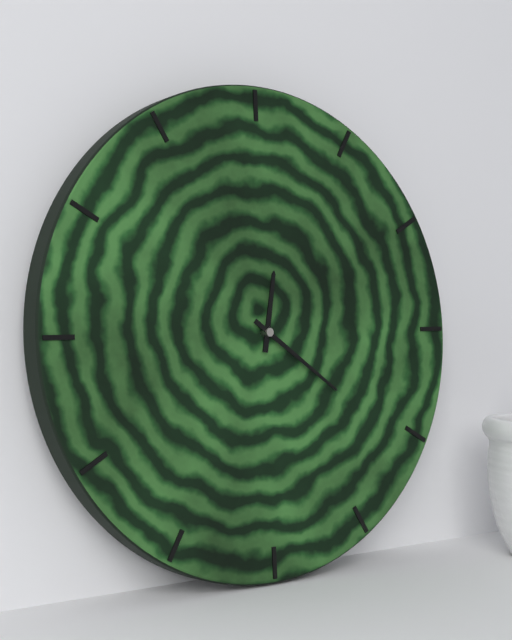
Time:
{"hour": 12, "minute": 21}
